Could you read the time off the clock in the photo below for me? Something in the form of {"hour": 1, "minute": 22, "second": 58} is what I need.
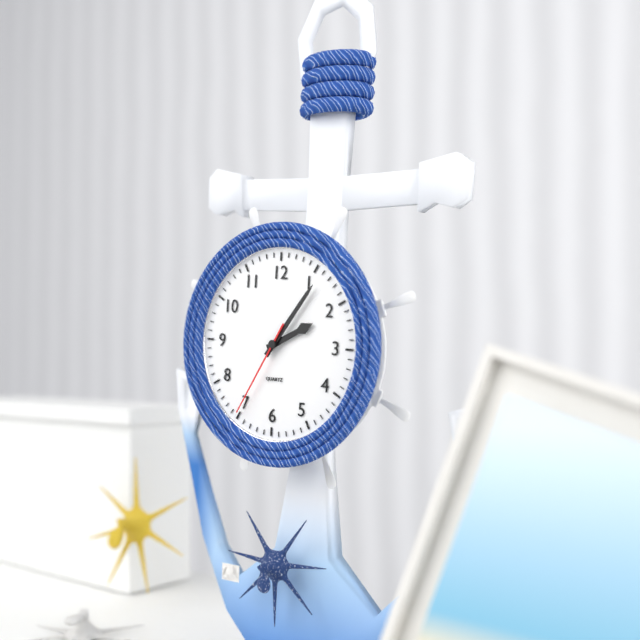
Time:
{"hour": 2, "minute": 6, "second": 35}
